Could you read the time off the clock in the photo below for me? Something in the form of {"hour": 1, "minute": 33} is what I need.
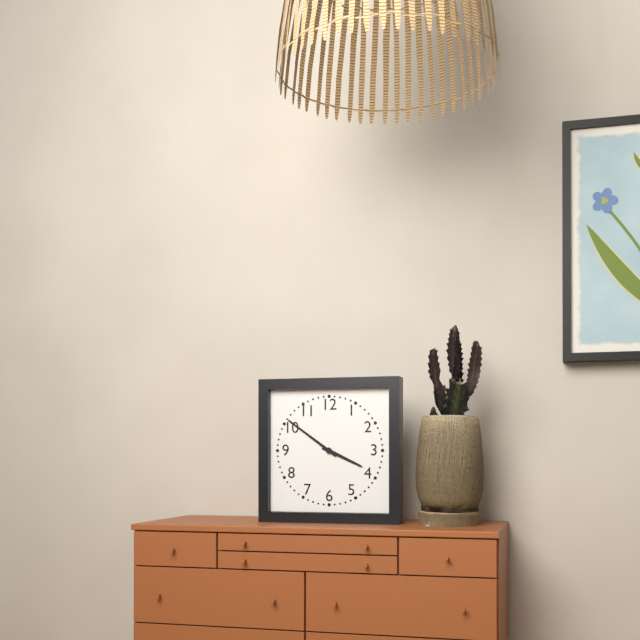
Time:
{"hour": 3, "minute": 51}
